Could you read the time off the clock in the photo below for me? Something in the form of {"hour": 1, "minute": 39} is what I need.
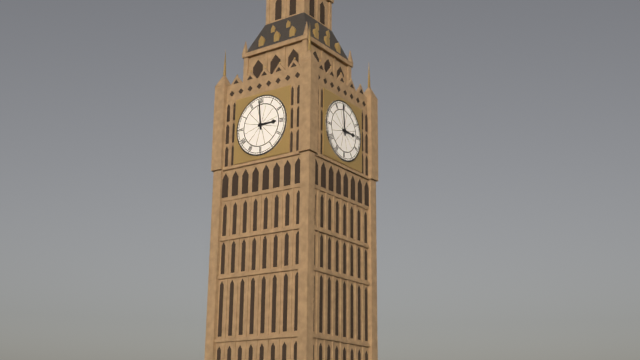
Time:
{"hour": 2, "minute": 59}
